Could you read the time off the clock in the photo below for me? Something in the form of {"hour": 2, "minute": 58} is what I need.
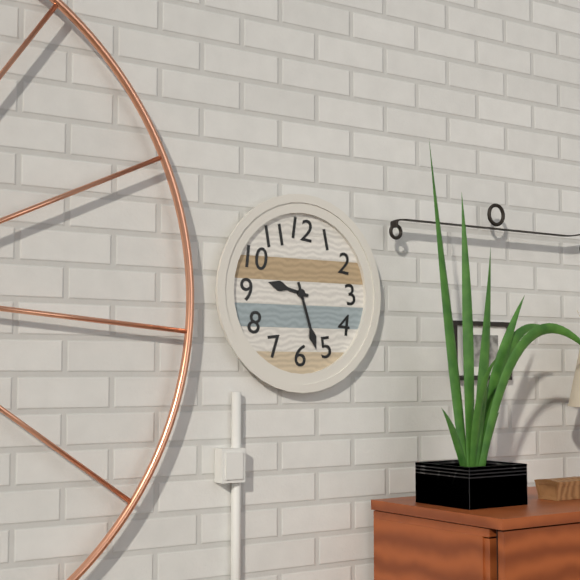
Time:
{"hour": 9, "minute": 27}
